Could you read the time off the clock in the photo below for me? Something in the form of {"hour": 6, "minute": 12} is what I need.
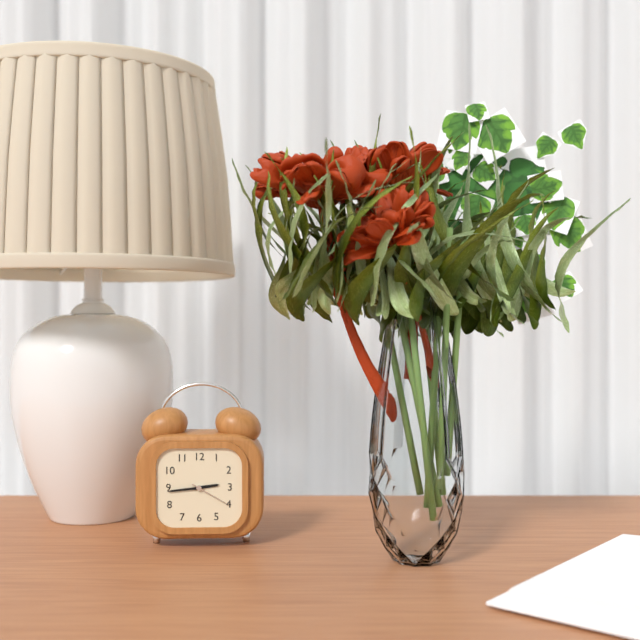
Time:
{"hour": 2, "minute": 44}
